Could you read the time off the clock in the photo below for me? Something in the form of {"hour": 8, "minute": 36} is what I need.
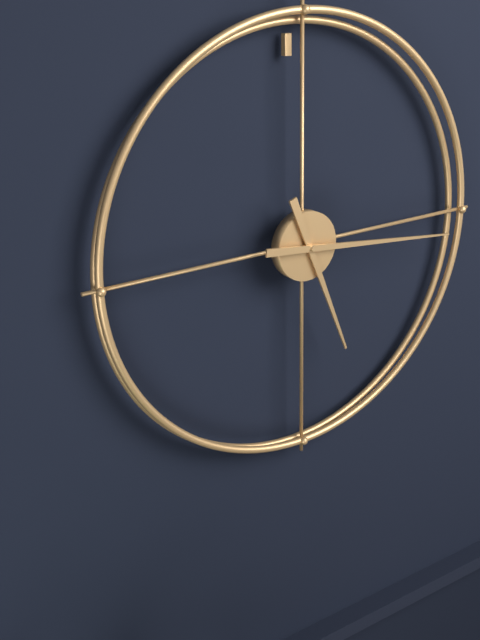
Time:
{"hour": 5, "minute": 16}
